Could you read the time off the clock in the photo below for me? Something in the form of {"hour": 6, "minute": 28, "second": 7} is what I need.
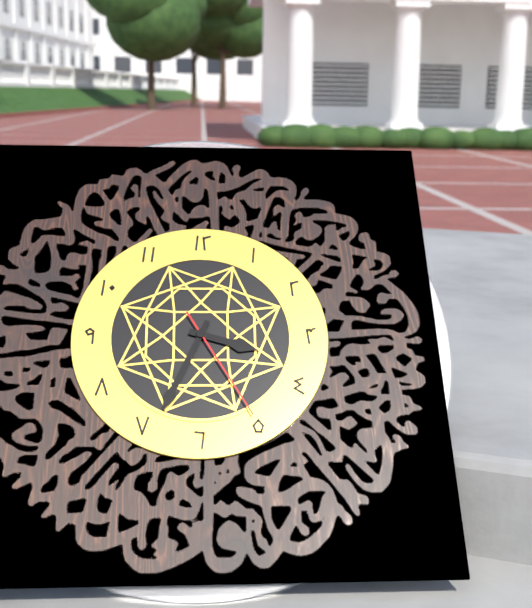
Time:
{"hour": 3, "minute": 34, "second": 25}
